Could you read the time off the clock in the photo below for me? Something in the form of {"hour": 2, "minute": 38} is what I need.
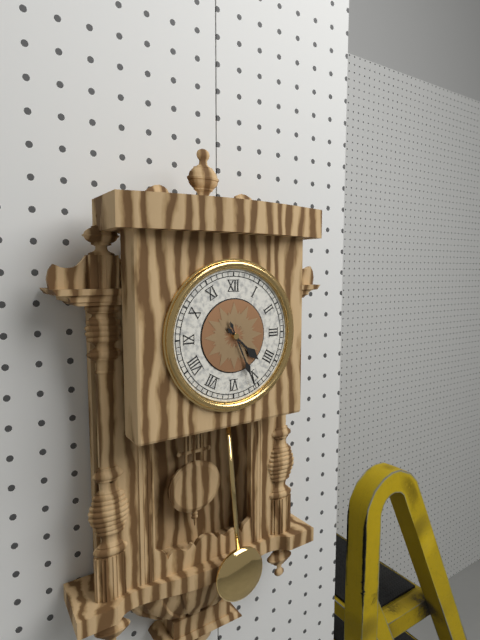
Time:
{"hour": 4, "minute": 26}
